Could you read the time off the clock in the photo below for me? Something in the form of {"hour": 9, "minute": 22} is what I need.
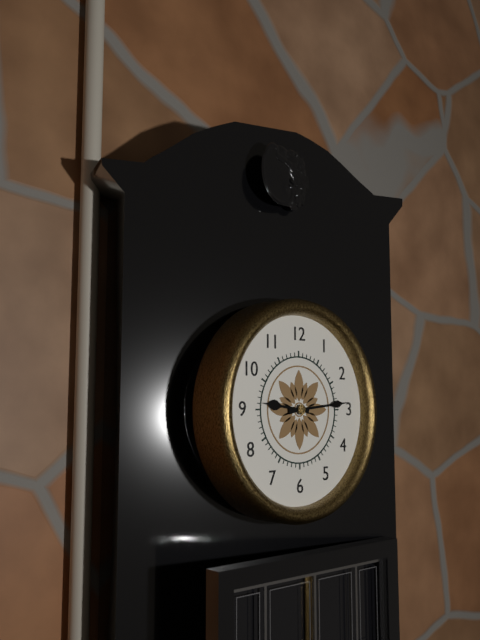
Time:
{"hour": 9, "minute": 14}
